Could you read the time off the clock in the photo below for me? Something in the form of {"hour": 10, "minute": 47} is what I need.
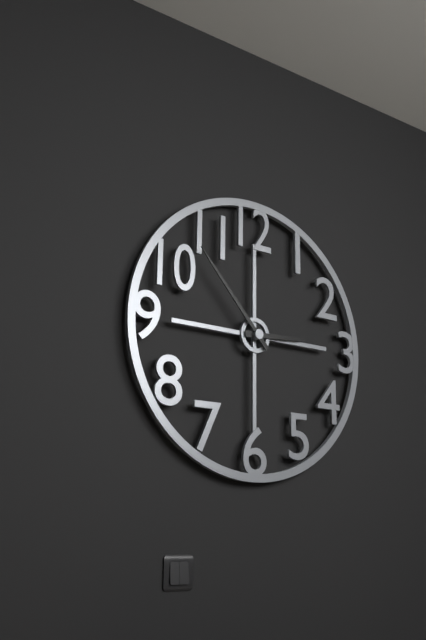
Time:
{"hour": 2, "minute": 53}
